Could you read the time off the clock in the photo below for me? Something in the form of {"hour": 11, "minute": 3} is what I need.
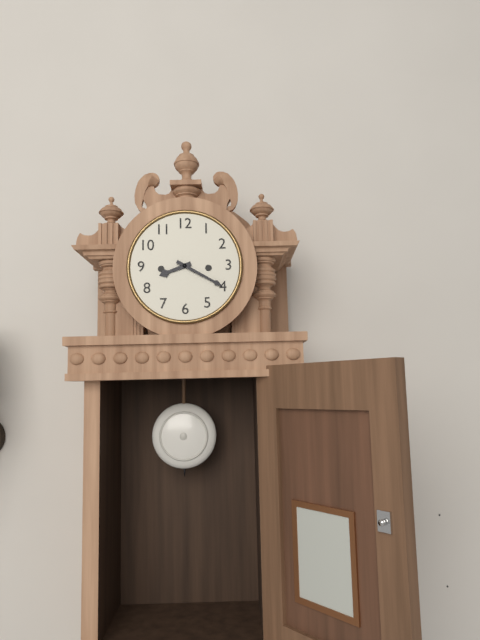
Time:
{"hour": 8, "minute": 20}
